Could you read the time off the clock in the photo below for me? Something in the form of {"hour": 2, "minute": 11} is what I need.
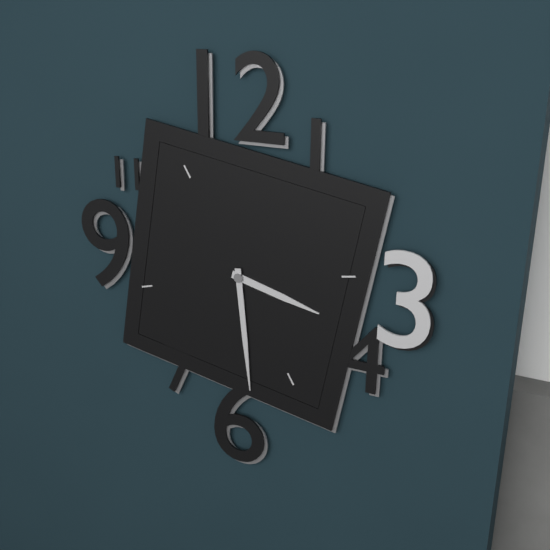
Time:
{"hour": 3, "minute": 29}
